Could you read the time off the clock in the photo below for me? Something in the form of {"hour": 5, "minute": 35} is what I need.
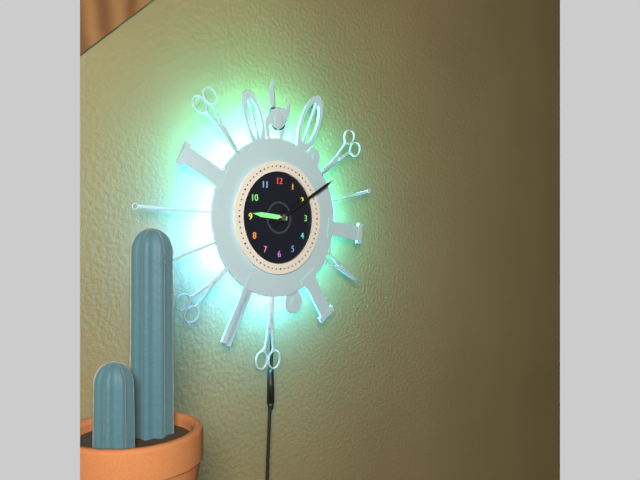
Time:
{"hour": 9, "minute": 10}
